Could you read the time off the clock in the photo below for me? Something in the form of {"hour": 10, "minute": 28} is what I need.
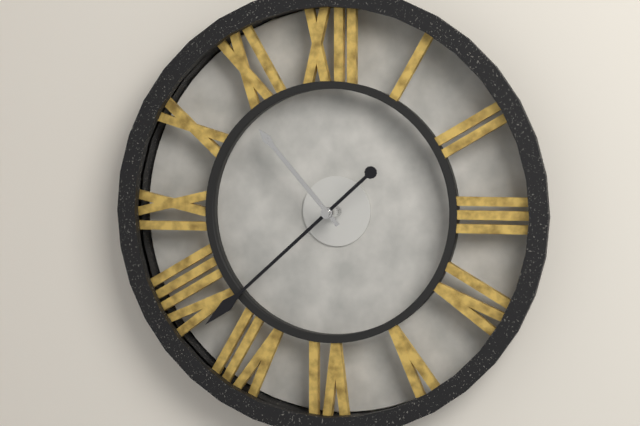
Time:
{"hour": 10, "minute": 38}
